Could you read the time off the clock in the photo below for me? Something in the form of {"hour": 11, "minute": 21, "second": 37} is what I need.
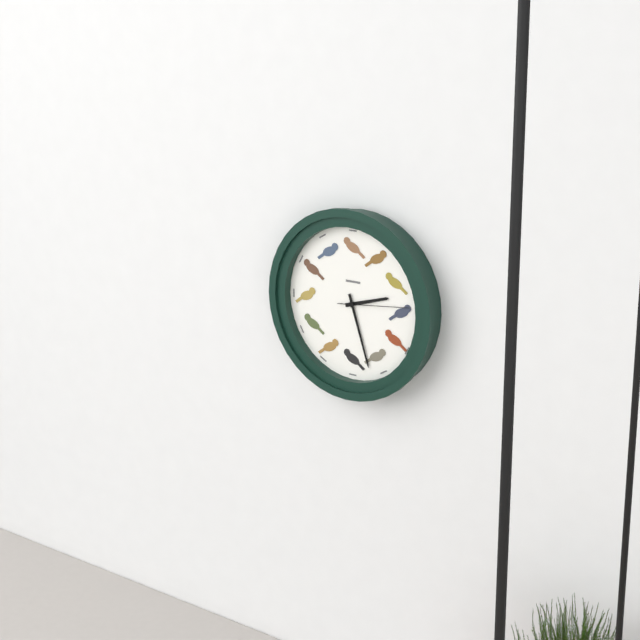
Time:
{"hour": 2, "minute": 27, "second": 14}
